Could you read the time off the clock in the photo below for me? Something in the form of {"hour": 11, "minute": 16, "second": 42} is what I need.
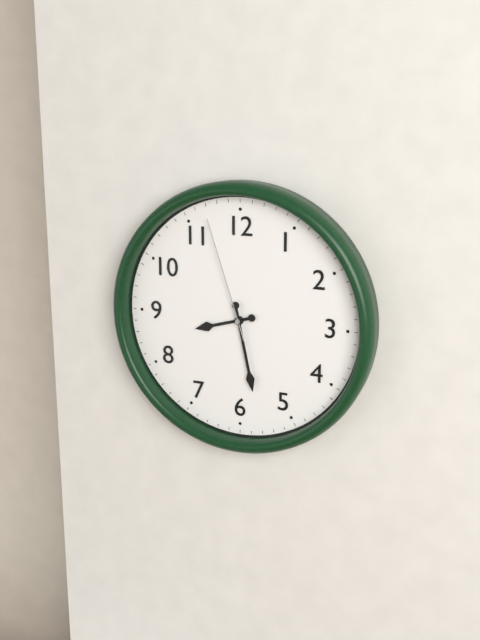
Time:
{"hour": 8, "minute": 28, "second": 57}
